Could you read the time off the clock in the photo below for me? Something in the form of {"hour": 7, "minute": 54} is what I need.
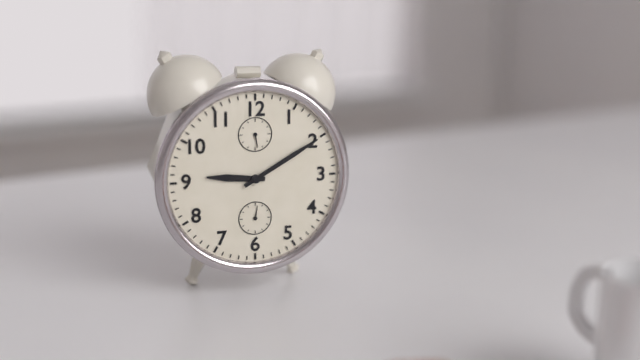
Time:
{"hour": 9, "minute": 10}
